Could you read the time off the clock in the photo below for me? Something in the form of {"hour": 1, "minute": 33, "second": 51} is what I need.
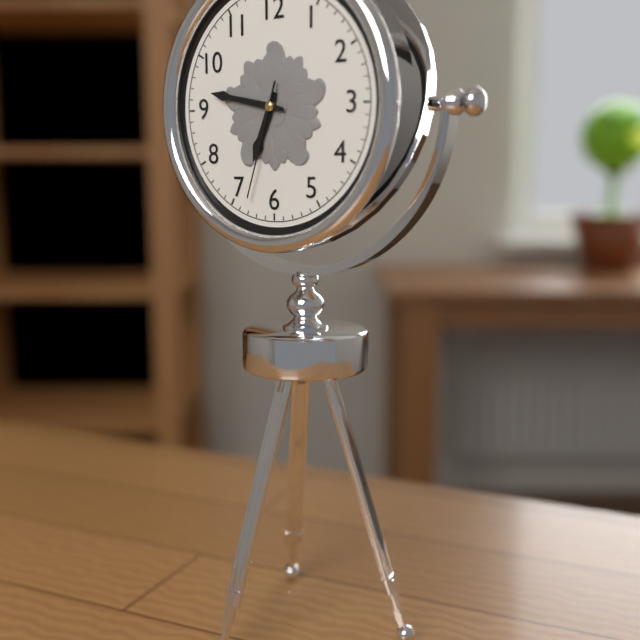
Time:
{"hour": 6, "minute": 47, "second": 33}
